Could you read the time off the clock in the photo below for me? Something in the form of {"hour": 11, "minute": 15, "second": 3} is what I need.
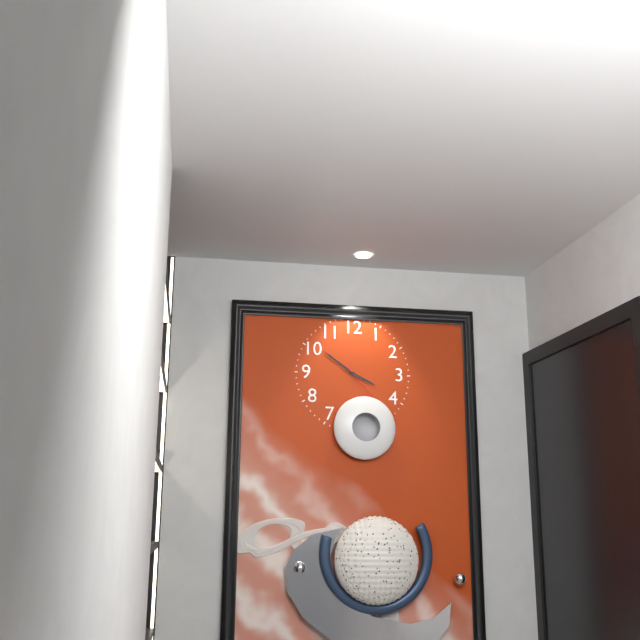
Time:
{"hour": 3, "minute": 51, "second": 23}
